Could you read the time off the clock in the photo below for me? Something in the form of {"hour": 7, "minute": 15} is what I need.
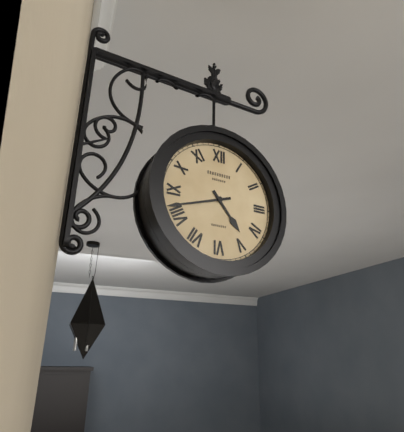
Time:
{"hour": 4, "minute": 42}
